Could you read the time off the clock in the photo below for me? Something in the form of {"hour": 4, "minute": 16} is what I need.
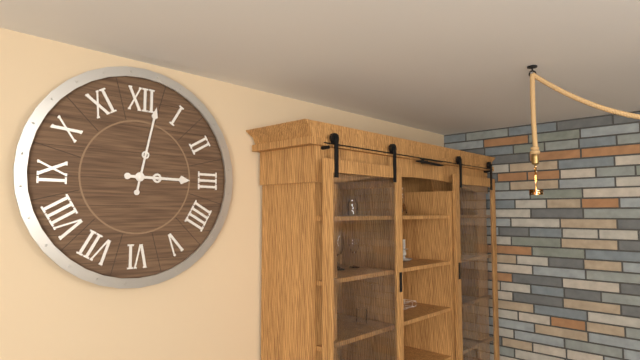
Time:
{"hour": 3, "minute": 2}
